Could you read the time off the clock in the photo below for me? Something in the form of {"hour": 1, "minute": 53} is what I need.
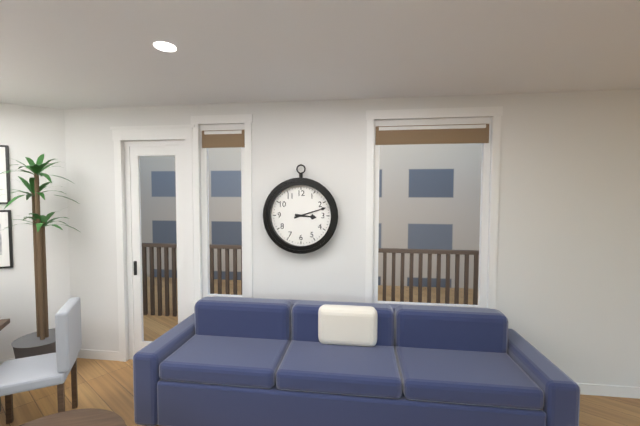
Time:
{"hour": 3, "minute": 12}
